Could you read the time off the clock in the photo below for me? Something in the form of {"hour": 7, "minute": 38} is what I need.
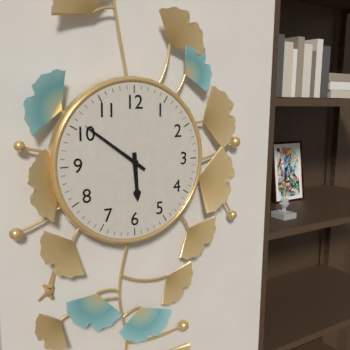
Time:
{"hour": 5, "minute": 51}
